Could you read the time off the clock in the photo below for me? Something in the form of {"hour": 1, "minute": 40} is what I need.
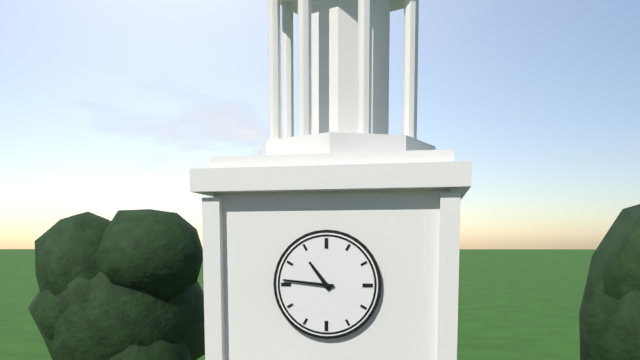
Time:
{"hour": 10, "minute": 46}
